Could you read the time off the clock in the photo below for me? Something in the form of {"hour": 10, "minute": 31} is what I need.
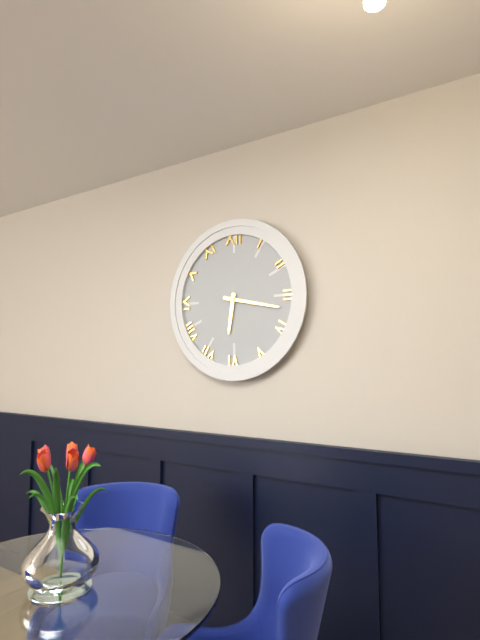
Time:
{"hour": 6, "minute": 17}
